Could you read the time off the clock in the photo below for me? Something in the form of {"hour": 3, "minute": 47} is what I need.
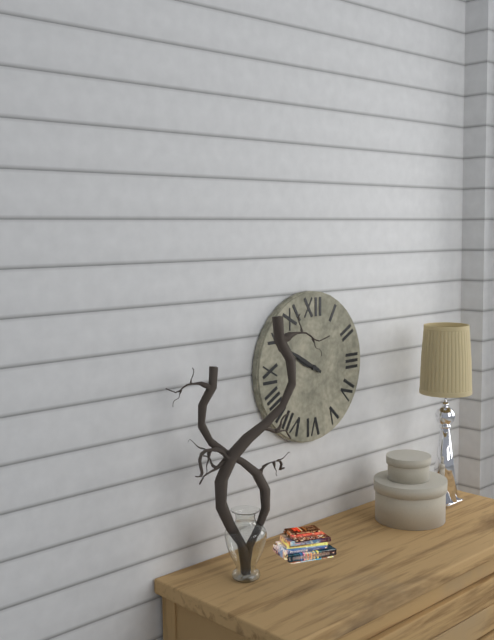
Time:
{"hour": 9, "minute": 50}
